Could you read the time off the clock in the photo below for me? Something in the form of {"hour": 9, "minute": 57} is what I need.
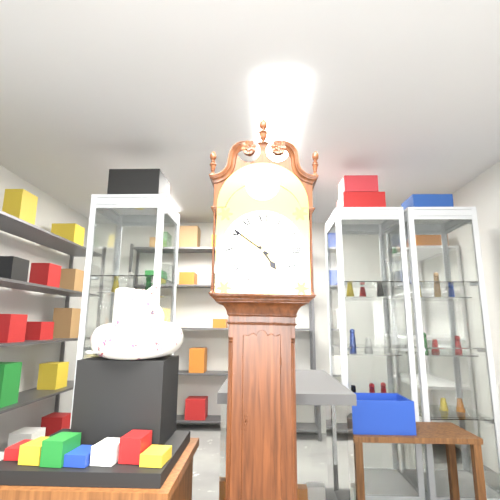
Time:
{"hour": 4, "minute": 51}
